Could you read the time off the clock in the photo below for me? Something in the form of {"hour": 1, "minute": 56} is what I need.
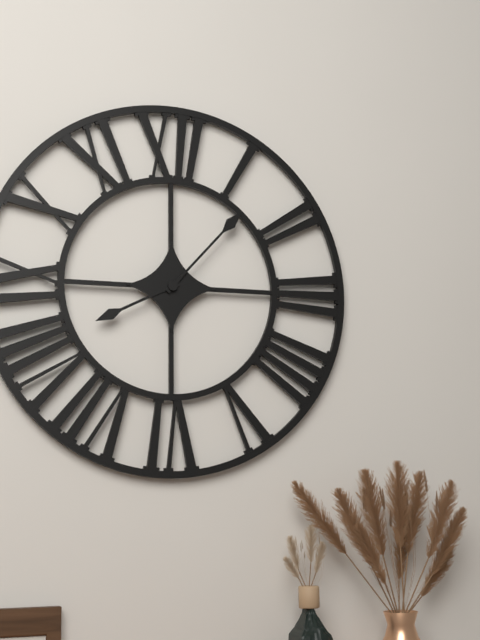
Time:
{"hour": 8, "minute": 7}
